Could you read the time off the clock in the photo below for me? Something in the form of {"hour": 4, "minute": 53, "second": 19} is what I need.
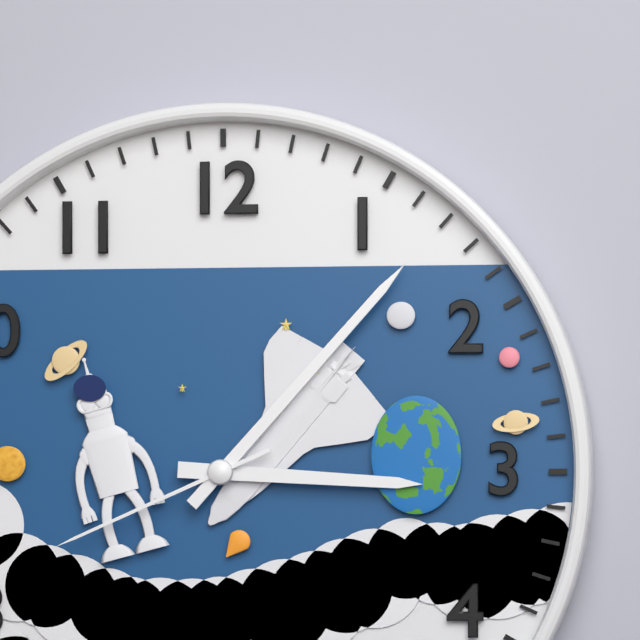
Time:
{"hour": 3, "minute": 7, "second": 41}
